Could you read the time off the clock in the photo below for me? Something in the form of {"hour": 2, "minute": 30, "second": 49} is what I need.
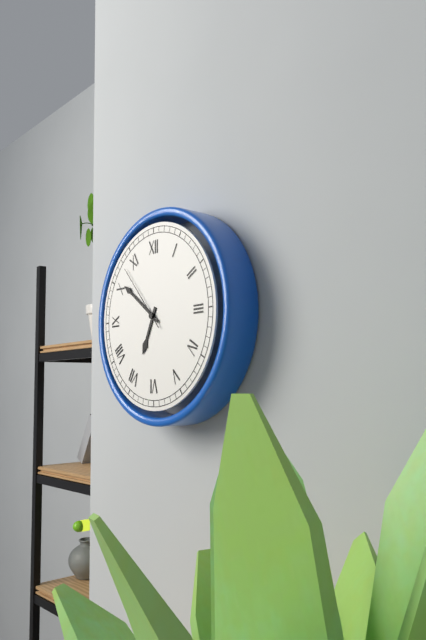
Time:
{"hour": 6, "minute": 51, "second": 53}
